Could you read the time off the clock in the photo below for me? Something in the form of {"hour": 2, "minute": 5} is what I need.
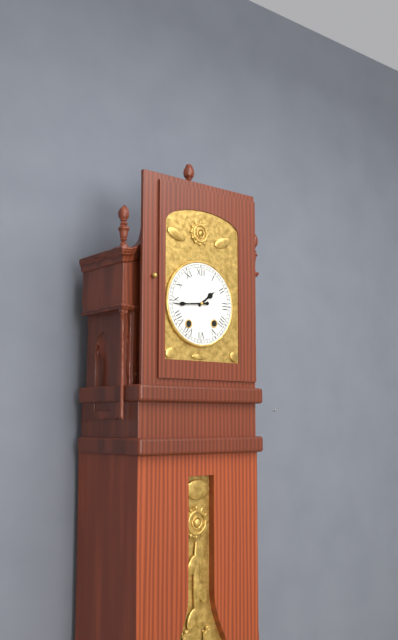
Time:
{"hour": 1, "minute": 44}
